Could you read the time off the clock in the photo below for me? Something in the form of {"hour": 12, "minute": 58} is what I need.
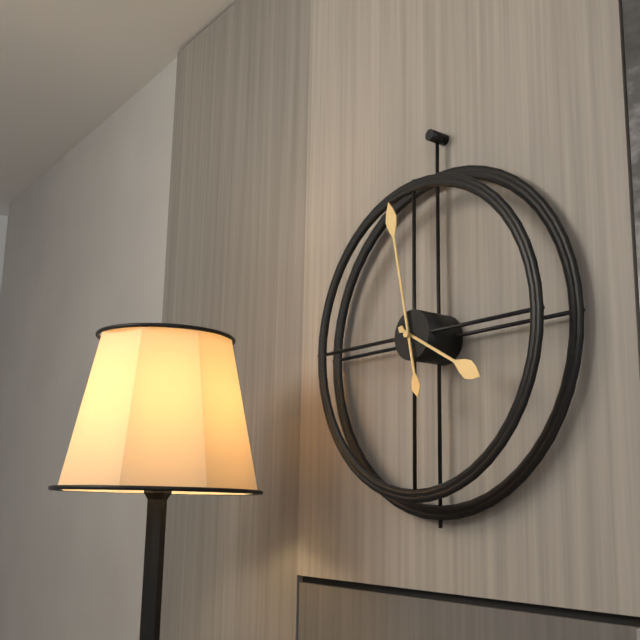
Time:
{"hour": 3, "minute": 58}
